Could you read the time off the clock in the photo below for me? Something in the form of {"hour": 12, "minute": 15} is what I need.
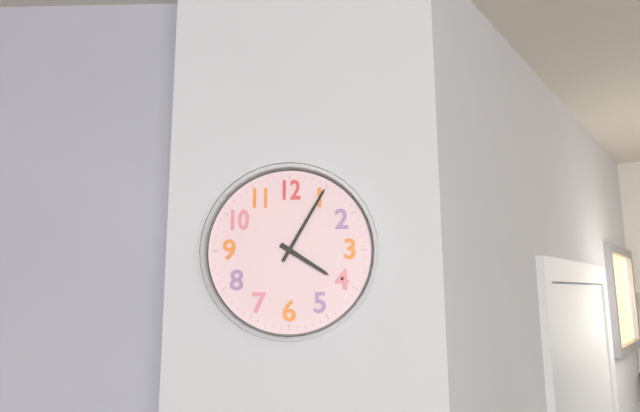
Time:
{"hour": 4, "minute": 5}
